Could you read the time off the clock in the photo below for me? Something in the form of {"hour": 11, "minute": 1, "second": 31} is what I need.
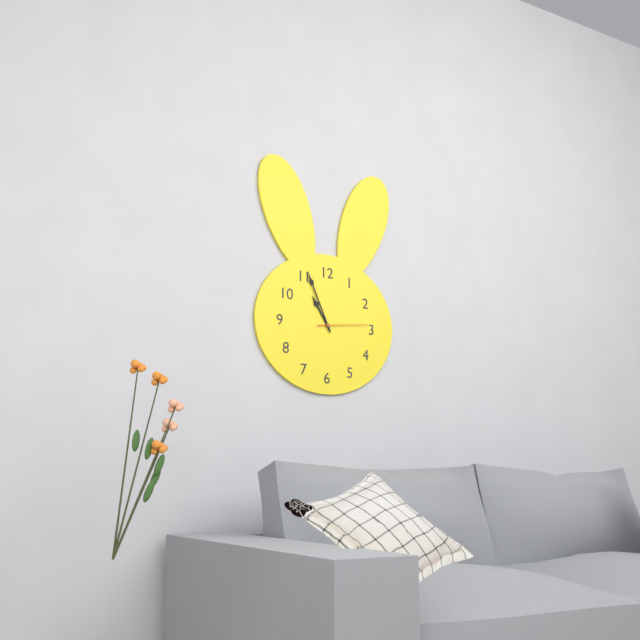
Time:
{"hour": 10, "minute": 56, "second": 14}
